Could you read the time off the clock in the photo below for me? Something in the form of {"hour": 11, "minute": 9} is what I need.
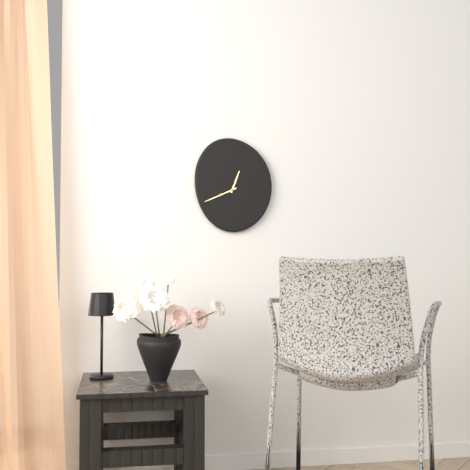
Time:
{"hour": 12, "minute": 41}
